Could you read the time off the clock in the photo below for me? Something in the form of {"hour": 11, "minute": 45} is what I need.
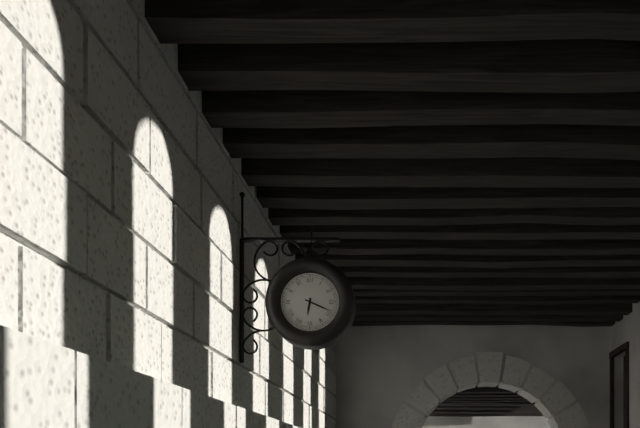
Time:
{"hour": 6, "minute": 19}
